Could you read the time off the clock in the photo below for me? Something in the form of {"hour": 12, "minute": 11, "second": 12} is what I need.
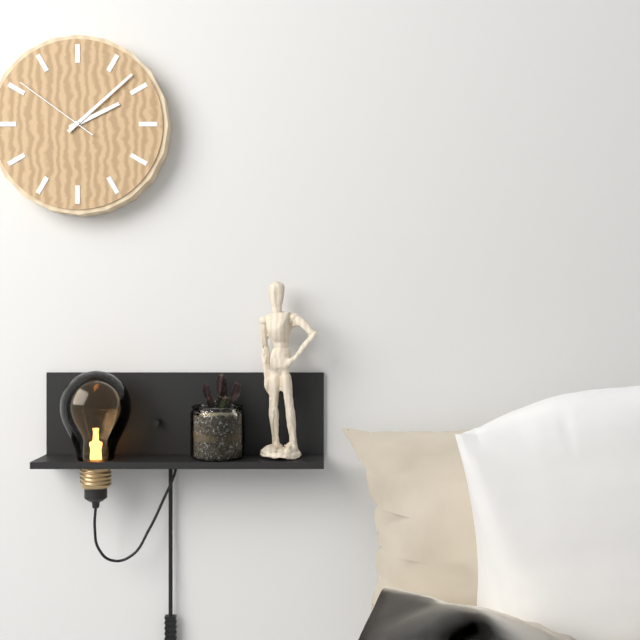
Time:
{"hour": 2, "minute": 8, "second": 51}
